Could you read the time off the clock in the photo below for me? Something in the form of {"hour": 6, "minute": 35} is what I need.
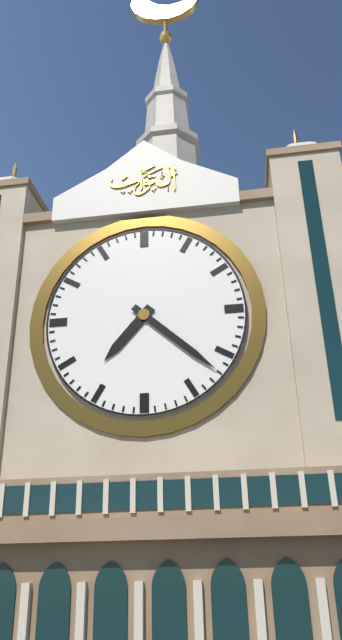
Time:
{"hour": 7, "minute": 22}
